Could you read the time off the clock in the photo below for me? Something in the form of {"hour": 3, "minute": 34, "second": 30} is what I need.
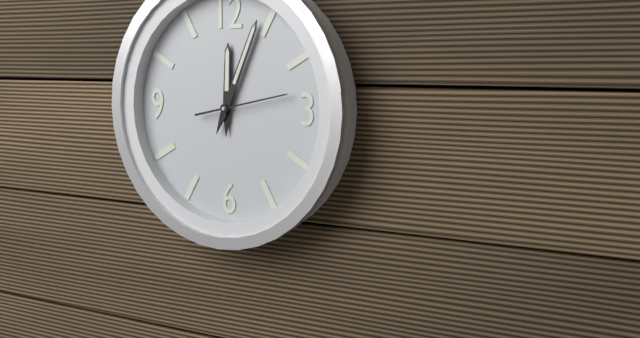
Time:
{"hour": 12, "minute": 4, "second": 13}
